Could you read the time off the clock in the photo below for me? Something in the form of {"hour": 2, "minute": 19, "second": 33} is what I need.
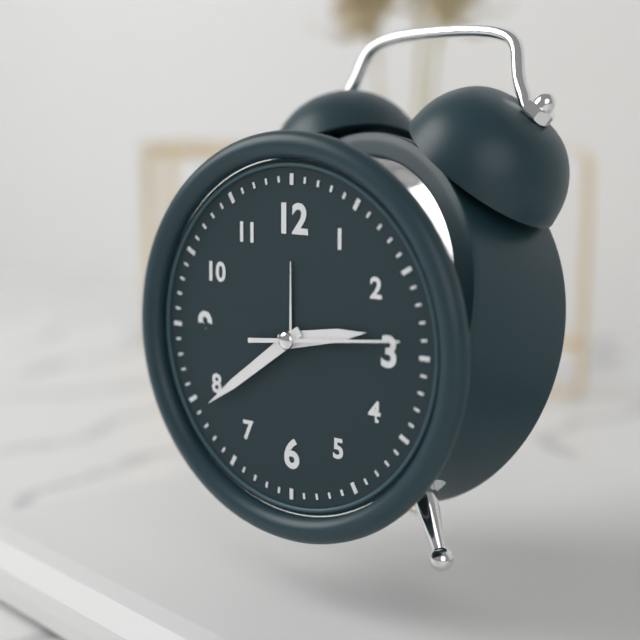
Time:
{"hour": 2, "minute": 39, "second": 14}
